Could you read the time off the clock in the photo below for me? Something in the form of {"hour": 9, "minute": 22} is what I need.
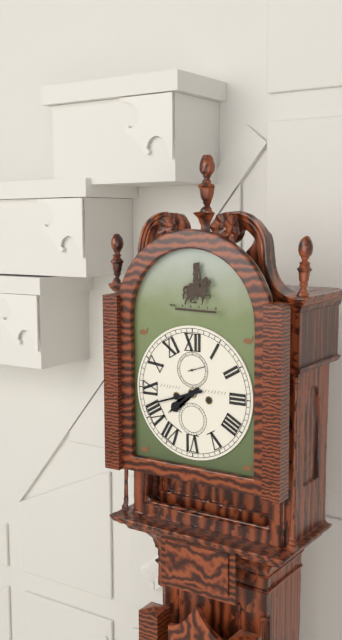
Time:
{"hour": 7, "minute": 42}
